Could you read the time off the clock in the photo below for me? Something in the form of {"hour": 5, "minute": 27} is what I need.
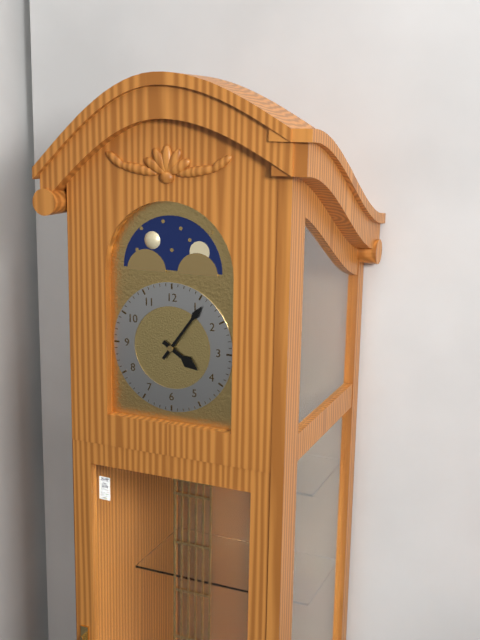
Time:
{"hour": 4, "minute": 6}
